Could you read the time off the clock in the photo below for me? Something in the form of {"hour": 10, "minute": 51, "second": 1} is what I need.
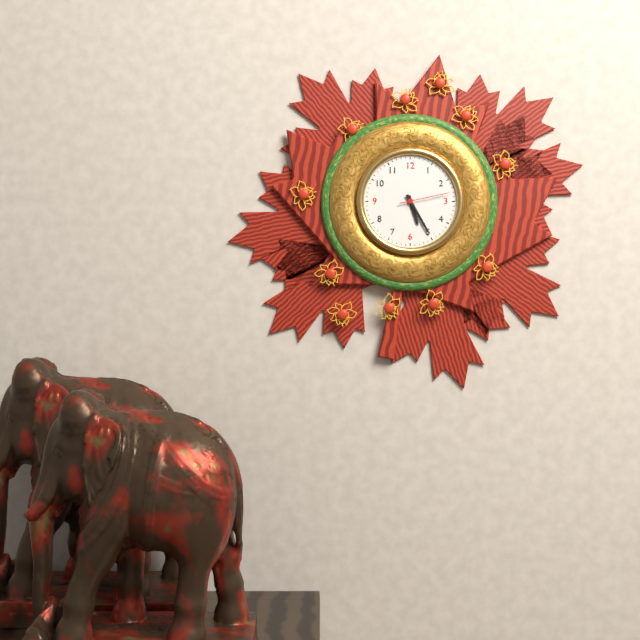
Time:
{"hour": 5, "minute": 25, "second": 13}
